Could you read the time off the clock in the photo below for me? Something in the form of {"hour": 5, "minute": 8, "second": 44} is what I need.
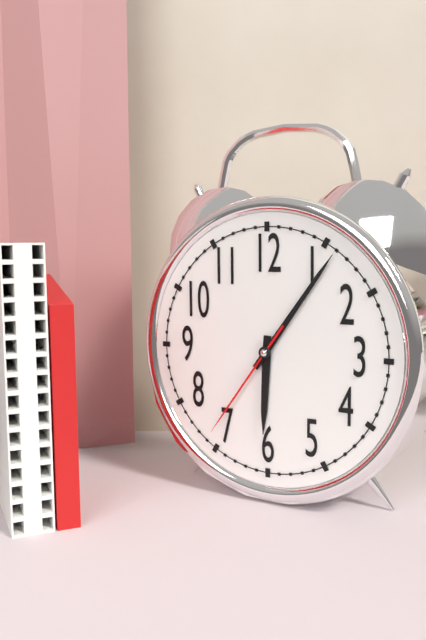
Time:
{"hour": 6, "minute": 6, "second": 36}
